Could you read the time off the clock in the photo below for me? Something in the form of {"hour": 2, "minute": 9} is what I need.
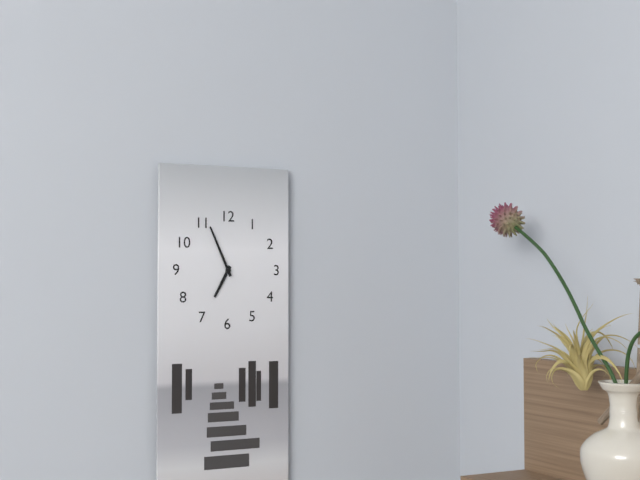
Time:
{"hour": 6, "minute": 56}
